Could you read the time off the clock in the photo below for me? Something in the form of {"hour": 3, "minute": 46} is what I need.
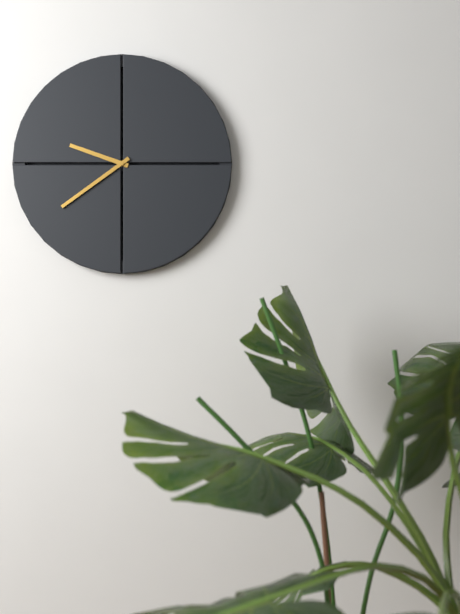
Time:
{"hour": 9, "minute": 39}
